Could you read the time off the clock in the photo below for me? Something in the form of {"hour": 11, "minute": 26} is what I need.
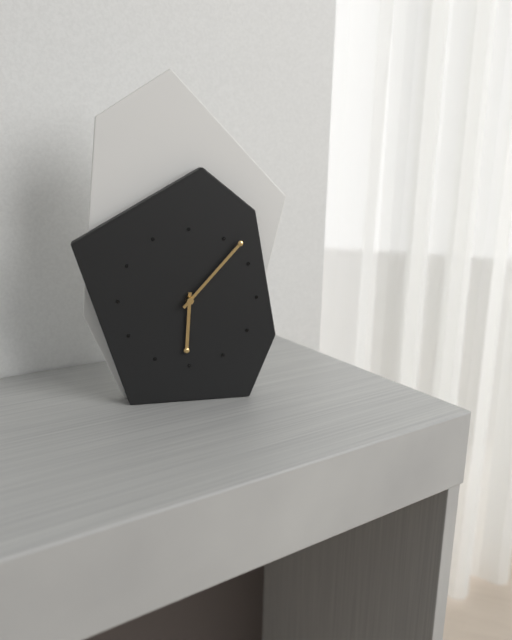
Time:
{"hour": 6, "minute": 7}
